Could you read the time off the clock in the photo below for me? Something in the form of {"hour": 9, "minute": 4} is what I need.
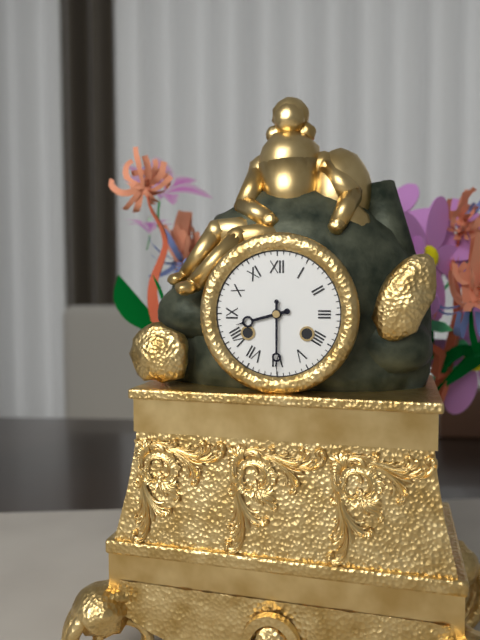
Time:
{"hour": 8, "minute": 30}
